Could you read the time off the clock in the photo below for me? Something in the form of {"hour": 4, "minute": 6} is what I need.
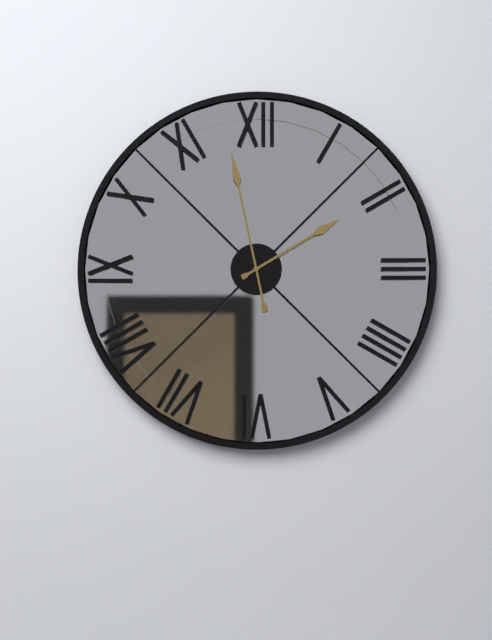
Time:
{"hour": 1, "minute": 58}
